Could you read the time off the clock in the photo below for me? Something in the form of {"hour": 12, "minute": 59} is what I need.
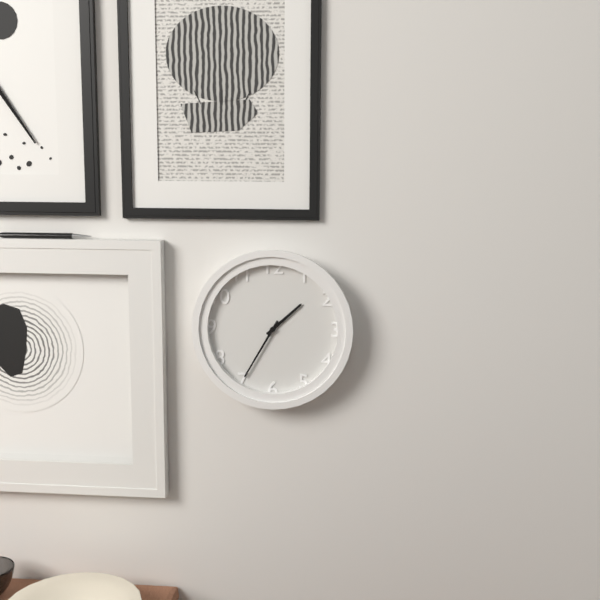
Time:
{"hour": 1, "minute": 35}
